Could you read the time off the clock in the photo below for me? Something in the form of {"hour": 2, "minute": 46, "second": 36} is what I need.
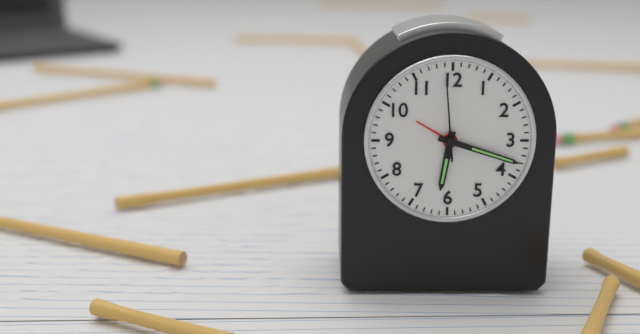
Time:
{"hour": 6, "minute": 18, "second": 59}
